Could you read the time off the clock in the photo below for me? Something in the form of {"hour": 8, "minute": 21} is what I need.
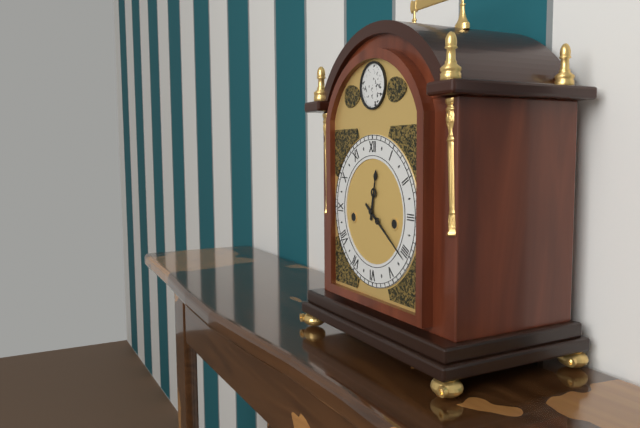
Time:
{"hour": 12, "minute": 21}
